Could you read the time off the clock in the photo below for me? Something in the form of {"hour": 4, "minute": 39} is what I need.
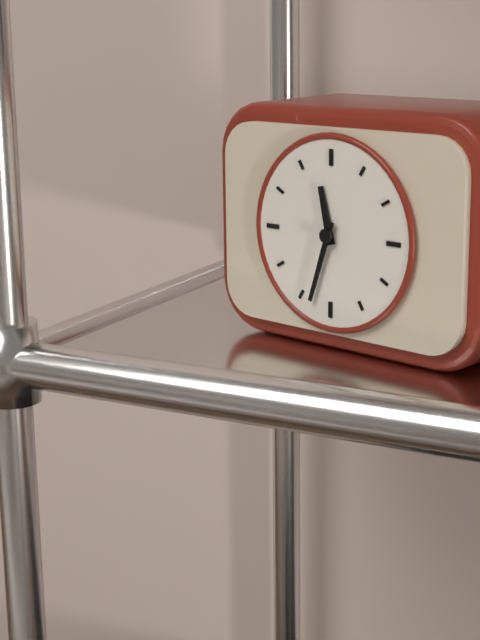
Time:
{"hour": 11, "minute": 33}
